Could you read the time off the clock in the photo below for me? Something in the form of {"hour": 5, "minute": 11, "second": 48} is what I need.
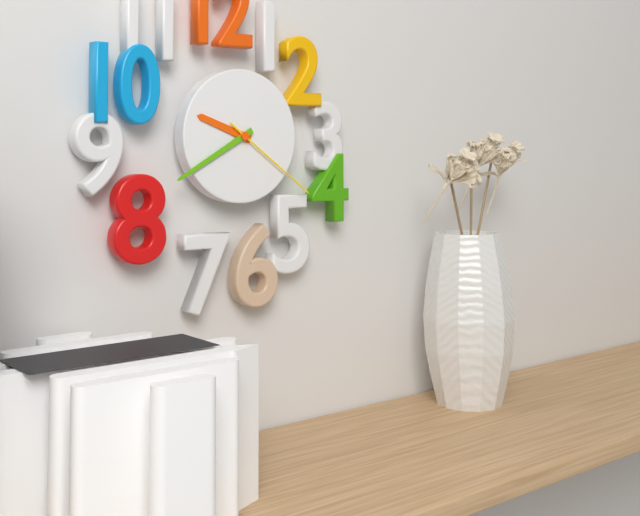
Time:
{"hour": 9, "minute": 40, "second": 21}
